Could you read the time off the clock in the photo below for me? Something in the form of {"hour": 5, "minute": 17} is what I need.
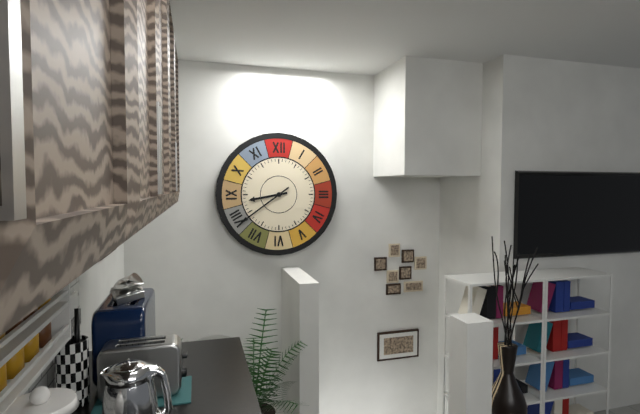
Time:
{"hour": 8, "minute": 39}
